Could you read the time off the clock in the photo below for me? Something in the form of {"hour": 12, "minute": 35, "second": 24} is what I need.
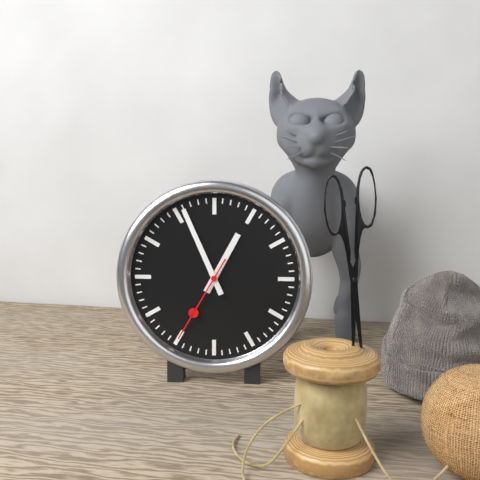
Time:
{"hour": 12, "minute": 56, "second": 35}
